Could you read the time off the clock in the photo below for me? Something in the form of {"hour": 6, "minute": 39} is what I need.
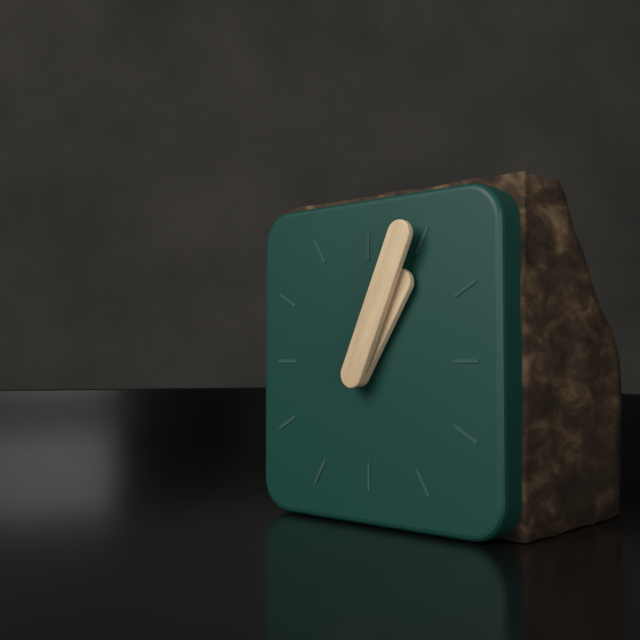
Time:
{"hour": 1, "minute": 4}
